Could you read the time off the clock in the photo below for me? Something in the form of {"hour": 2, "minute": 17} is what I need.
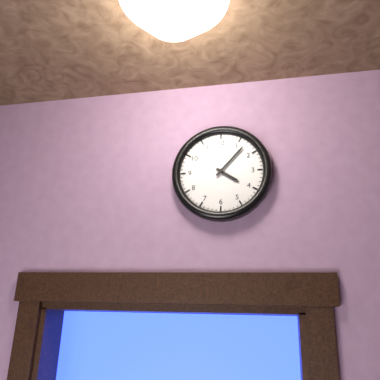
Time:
{"hour": 4, "minute": 7}
